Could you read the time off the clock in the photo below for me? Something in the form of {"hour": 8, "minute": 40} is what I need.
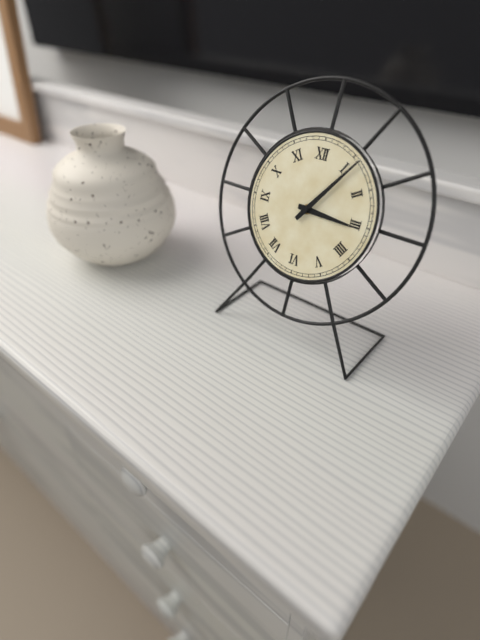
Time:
{"hour": 3, "minute": 6}
